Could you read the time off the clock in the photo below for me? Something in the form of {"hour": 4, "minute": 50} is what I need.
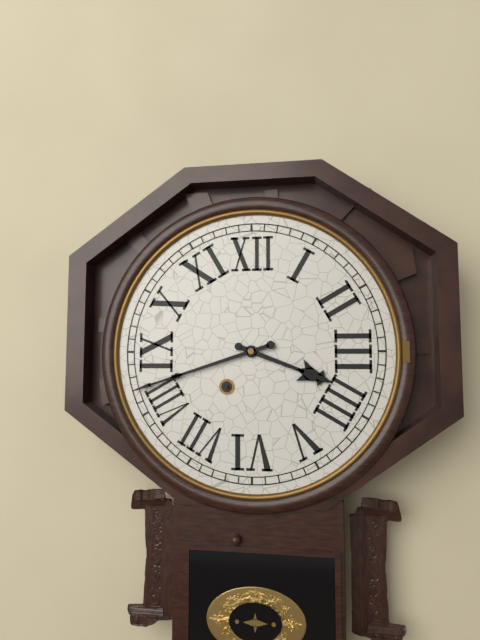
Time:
{"hour": 3, "minute": 42}
